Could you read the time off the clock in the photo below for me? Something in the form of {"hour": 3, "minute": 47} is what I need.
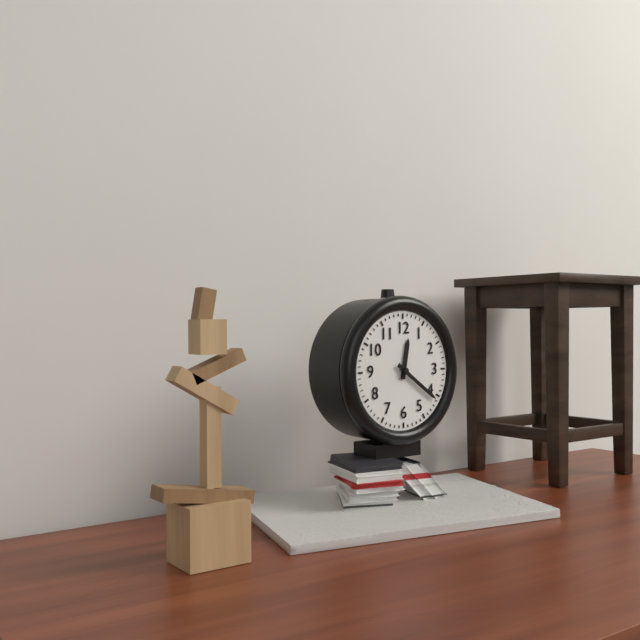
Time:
{"hour": 12, "minute": 21}
